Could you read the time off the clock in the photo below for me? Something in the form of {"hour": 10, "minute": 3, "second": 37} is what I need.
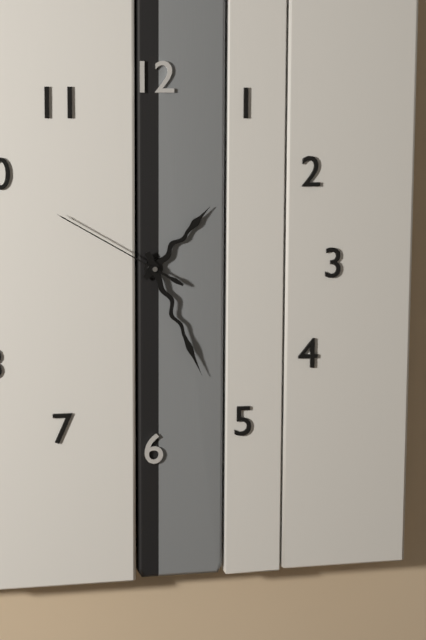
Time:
{"hour": 1, "minute": 26, "second": 50}
